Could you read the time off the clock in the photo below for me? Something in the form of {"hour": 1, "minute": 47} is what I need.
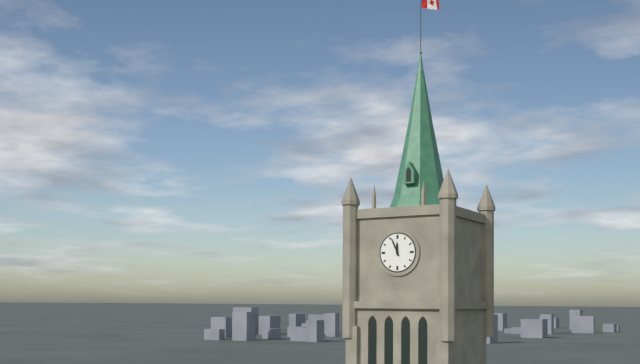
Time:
{"hour": 11, "minute": 56}
